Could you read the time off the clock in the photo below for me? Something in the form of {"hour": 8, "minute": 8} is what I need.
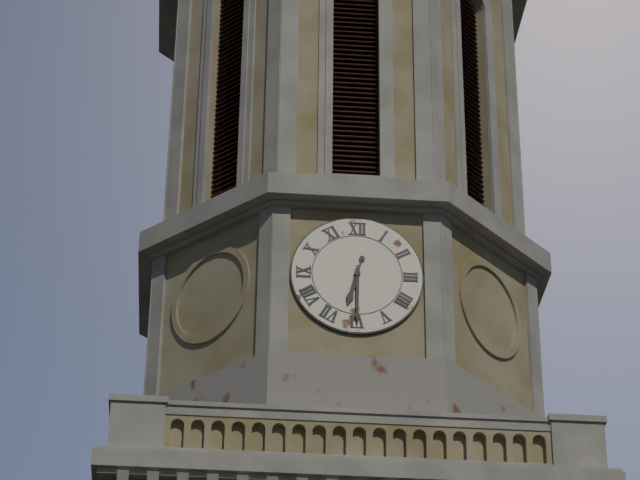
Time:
{"hour": 6, "minute": 30}
